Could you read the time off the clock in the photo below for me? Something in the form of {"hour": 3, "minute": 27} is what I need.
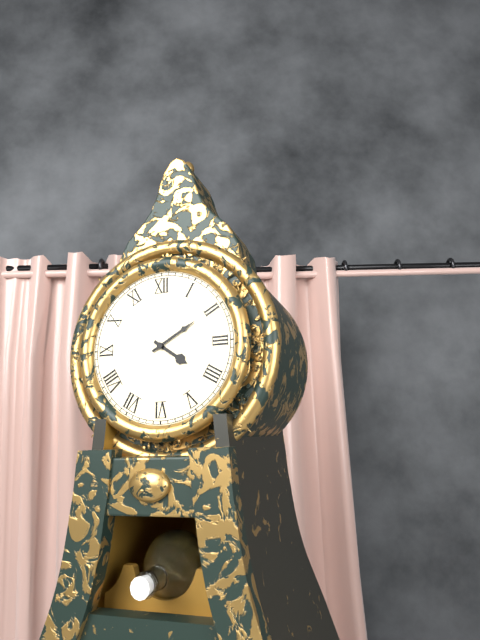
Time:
{"hour": 4, "minute": 10}
